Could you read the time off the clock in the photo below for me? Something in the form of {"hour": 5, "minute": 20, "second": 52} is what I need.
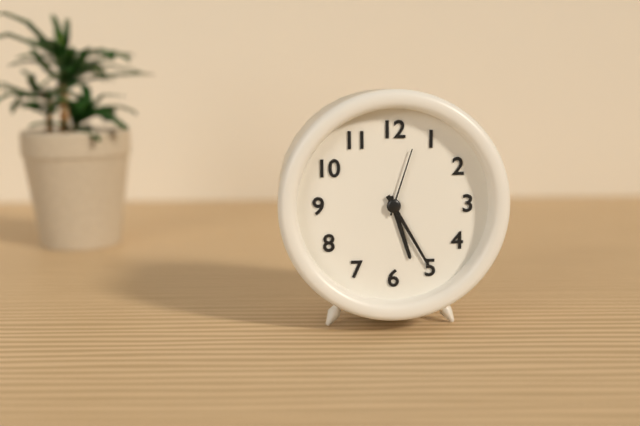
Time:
{"hour": 5, "minute": 25, "second": 3}
